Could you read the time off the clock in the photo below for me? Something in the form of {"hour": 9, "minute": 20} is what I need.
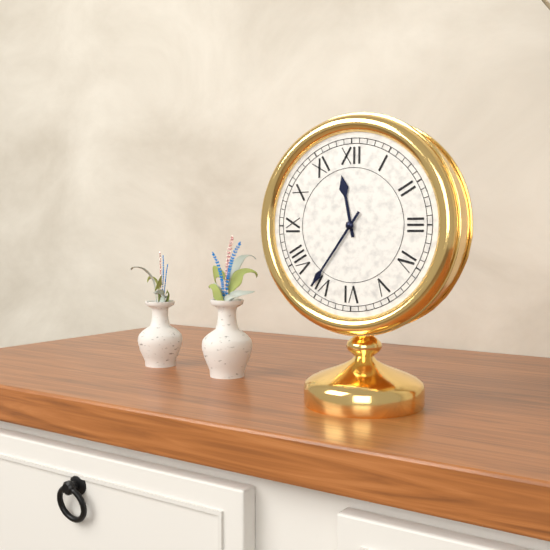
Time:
{"hour": 11, "minute": 36}
